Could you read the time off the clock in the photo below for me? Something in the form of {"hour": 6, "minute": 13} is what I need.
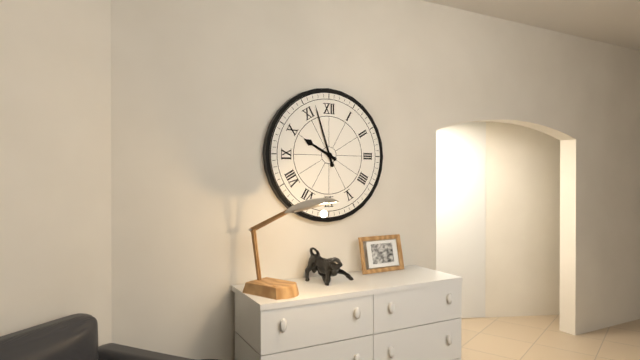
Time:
{"hour": 9, "minute": 57}
